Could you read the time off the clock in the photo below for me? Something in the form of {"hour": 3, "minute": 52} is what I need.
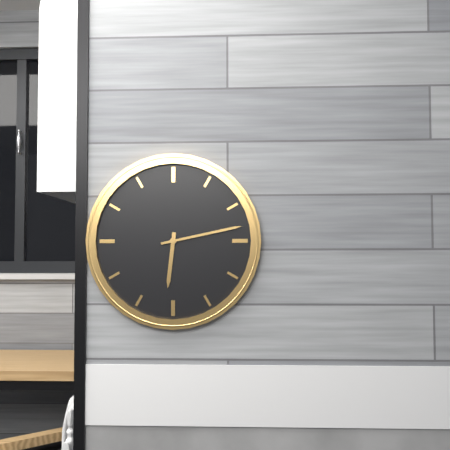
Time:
{"hour": 6, "minute": 13}
